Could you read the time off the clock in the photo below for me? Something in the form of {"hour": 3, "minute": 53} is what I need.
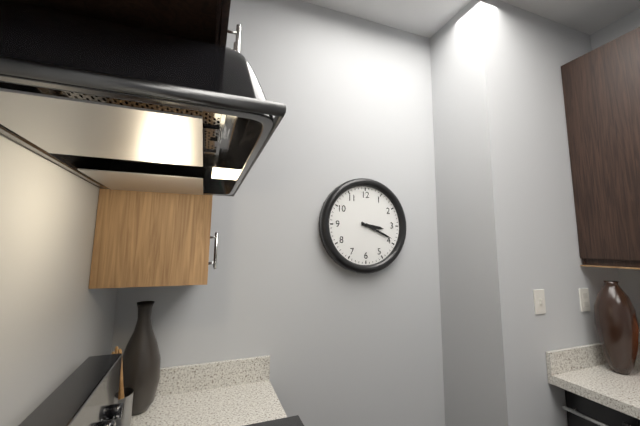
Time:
{"hour": 3, "minute": 19}
